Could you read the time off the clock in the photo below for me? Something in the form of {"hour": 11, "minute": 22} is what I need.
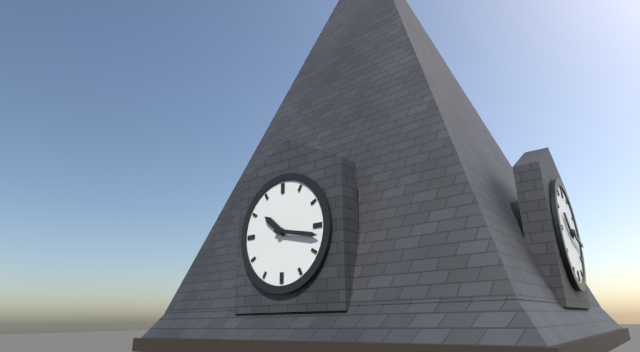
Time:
{"hour": 10, "minute": 17}
